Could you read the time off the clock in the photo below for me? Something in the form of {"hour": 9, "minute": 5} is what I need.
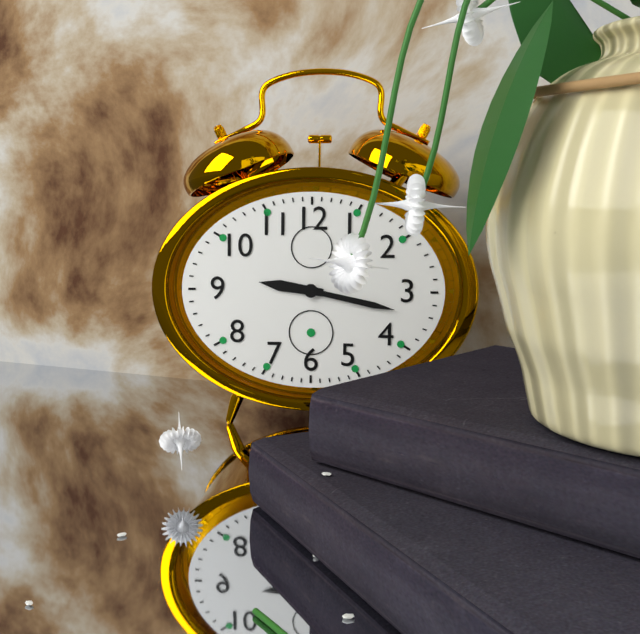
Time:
{"hour": 9, "minute": 17}
